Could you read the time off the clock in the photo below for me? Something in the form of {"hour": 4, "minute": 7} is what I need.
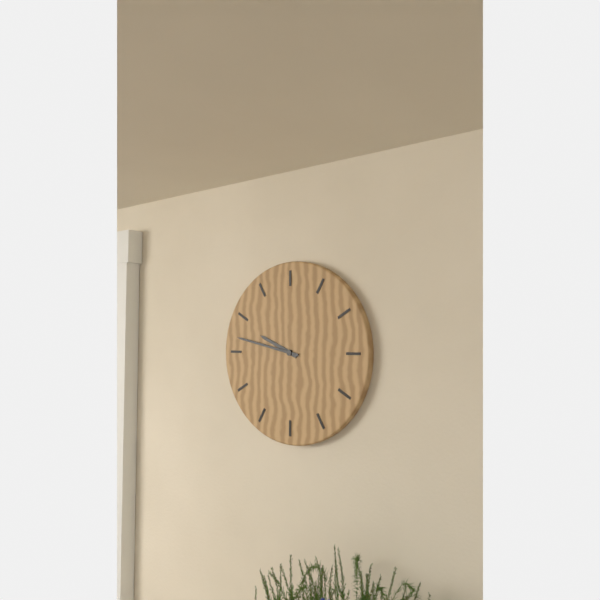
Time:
{"hour": 9, "minute": 47}
